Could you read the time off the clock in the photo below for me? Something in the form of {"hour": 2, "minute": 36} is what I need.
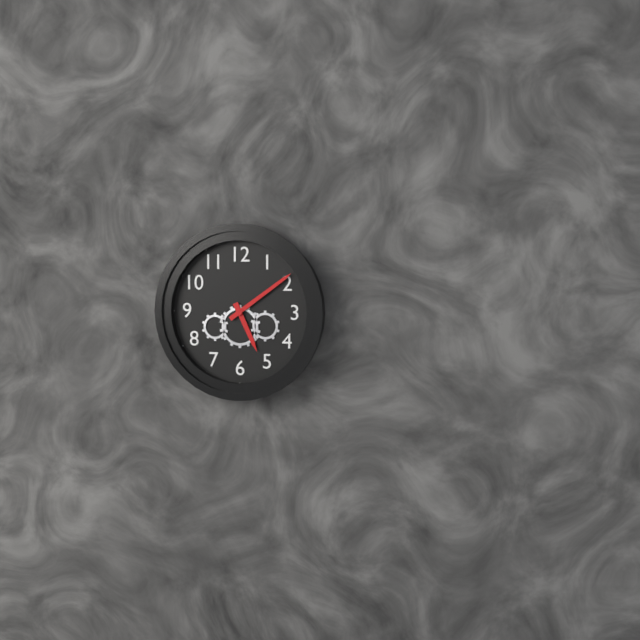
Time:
{"hour": 5, "minute": 9}
